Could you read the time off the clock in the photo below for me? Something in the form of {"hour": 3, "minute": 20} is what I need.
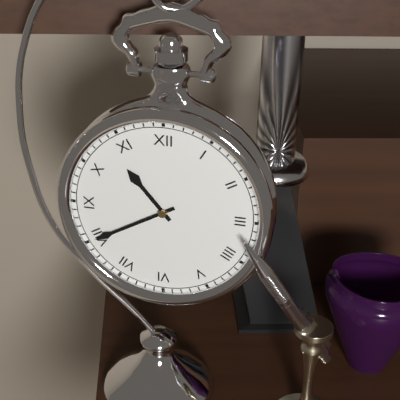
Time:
{"hour": 10, "minute": 40}
